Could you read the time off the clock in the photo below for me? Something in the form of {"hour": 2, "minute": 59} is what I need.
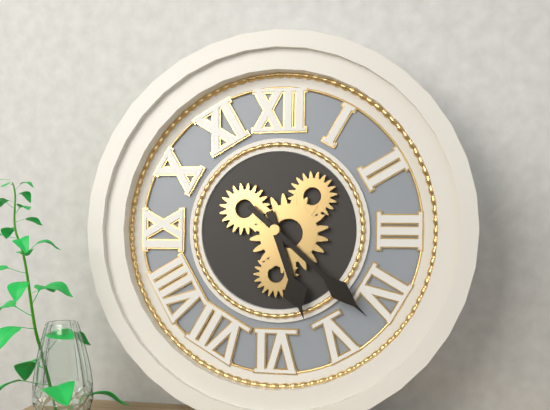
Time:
{"hour": 5, "minute": 22}
